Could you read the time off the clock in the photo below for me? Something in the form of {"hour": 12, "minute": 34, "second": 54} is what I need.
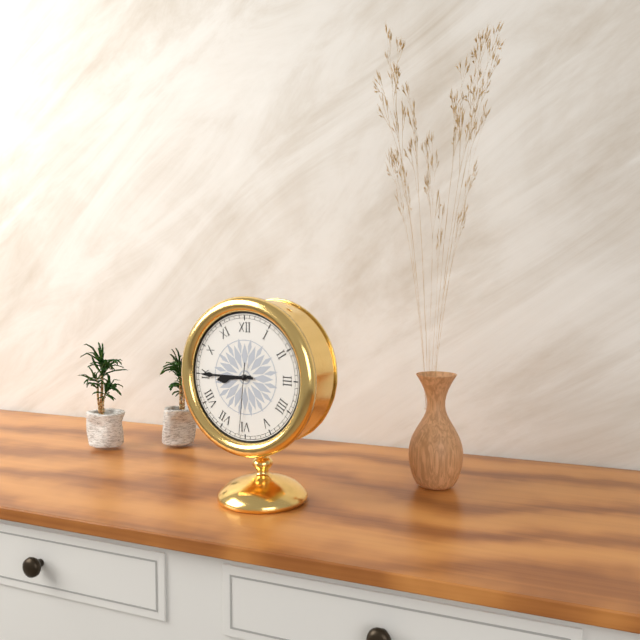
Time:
{"hour": 8, "minute": 45, "second": 31}
